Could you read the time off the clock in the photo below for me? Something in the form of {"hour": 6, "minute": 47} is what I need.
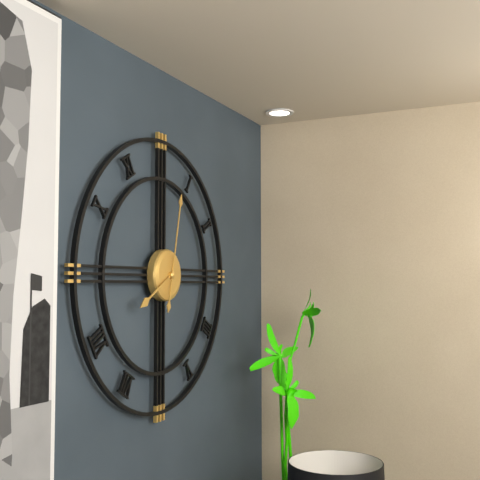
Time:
{"hour": 8, "minute": 2}
